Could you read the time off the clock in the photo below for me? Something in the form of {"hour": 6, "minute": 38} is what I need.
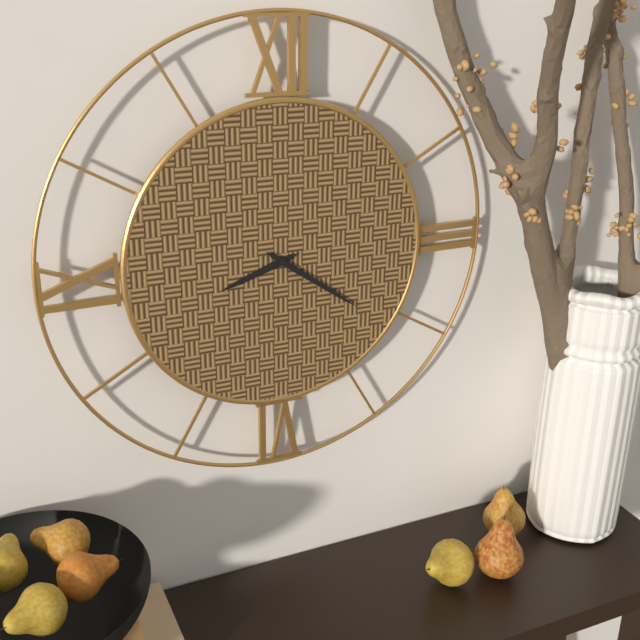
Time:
{"hour": 8, "minute": 21}
